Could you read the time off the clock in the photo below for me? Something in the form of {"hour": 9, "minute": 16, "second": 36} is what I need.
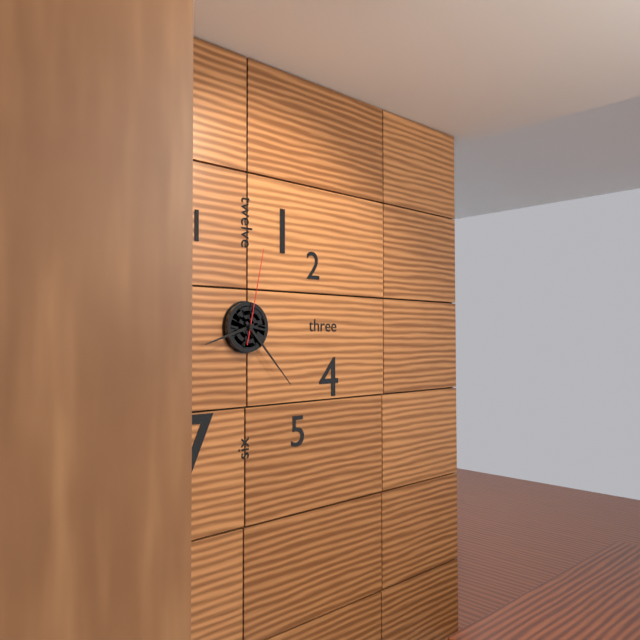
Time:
{"hour": 8, "minute": 23, "second": 2}
